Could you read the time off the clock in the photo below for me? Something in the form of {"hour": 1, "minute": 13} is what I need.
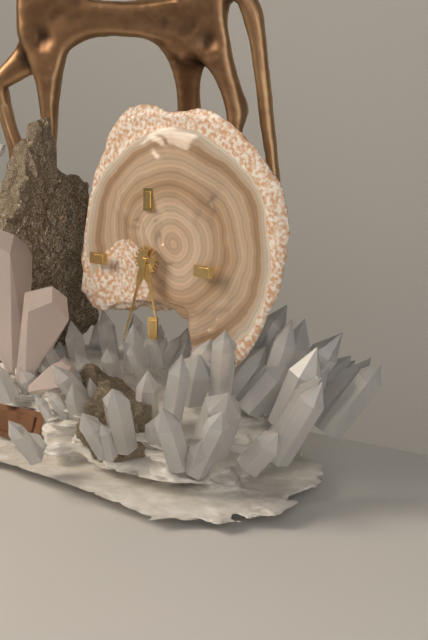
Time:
{"hour": 5, "minute": 33}
